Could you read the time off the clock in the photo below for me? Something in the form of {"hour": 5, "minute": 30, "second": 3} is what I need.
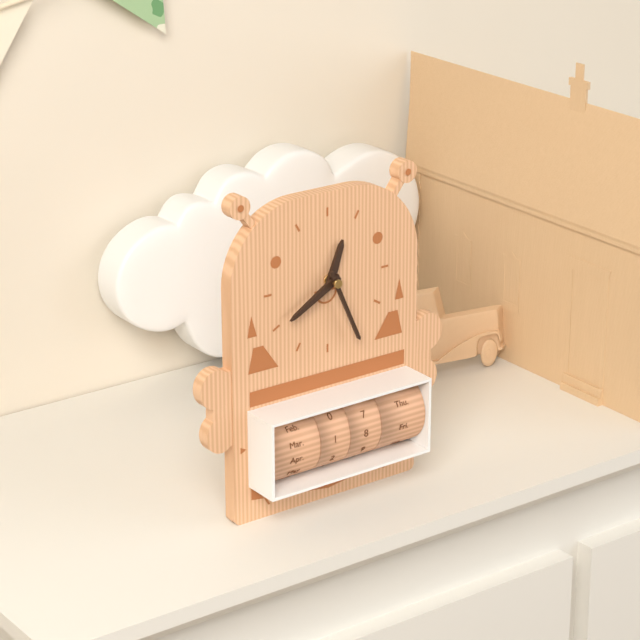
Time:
{"hour": 12, "minute": 40, "second": 26}
